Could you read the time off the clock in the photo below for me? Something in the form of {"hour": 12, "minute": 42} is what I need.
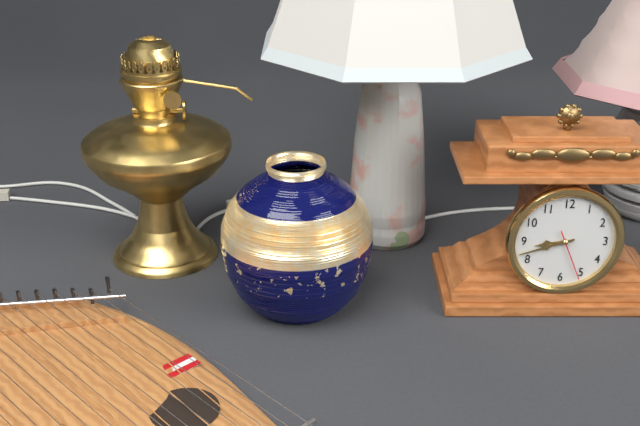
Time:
{"hour": 8, "minute": 42}
